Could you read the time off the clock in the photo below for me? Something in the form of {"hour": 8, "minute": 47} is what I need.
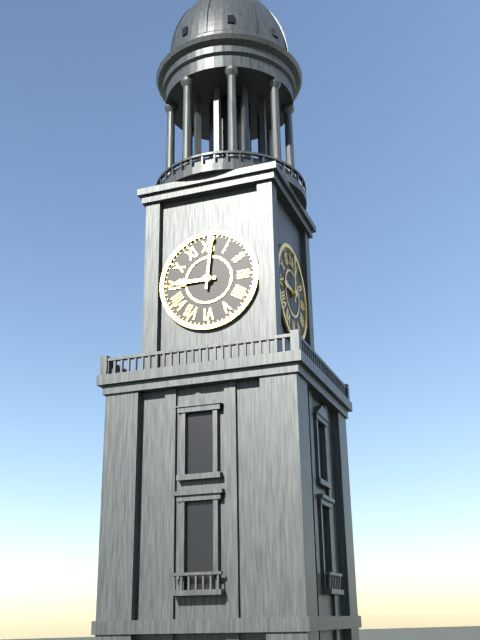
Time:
{"hour": 9, "minute": 1}
